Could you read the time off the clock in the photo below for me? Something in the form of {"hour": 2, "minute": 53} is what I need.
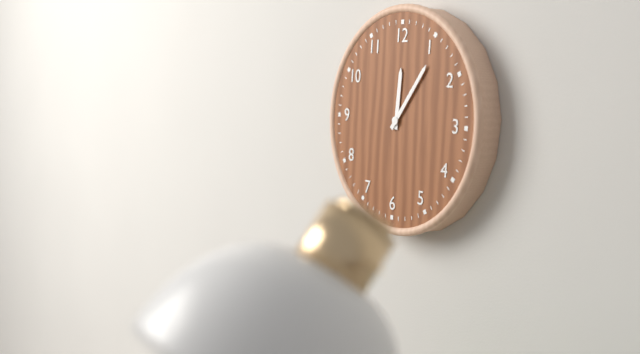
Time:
{"hour": 12, "minute": 6}
